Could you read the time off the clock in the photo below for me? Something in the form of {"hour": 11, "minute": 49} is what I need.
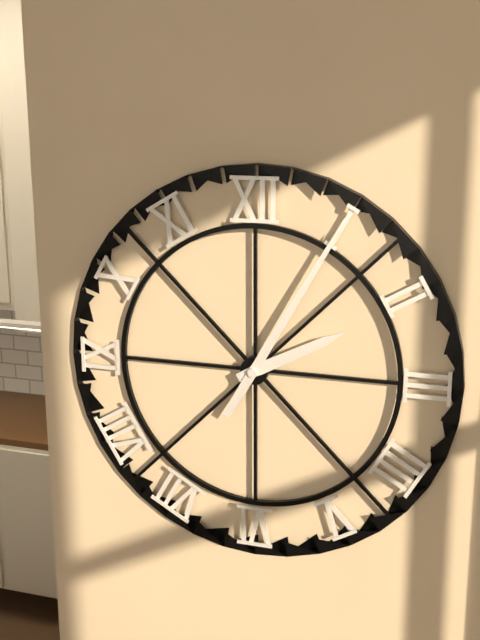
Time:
{"hour": 2, "minute": 5}
